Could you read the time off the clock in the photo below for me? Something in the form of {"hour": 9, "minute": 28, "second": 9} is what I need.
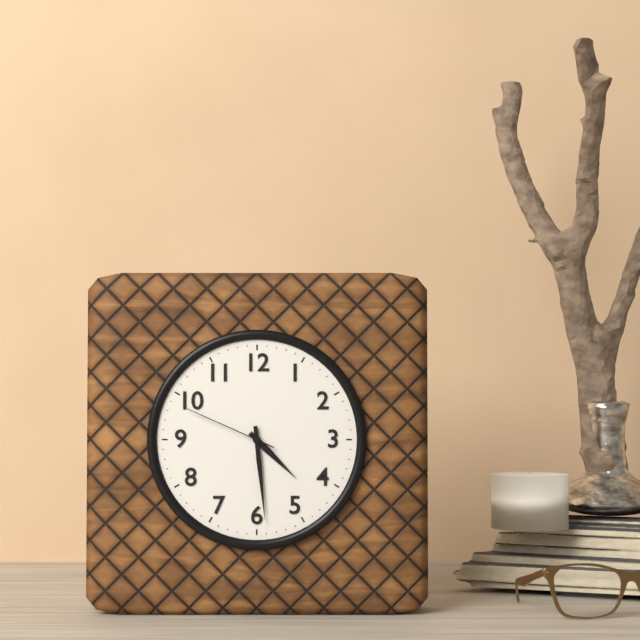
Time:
{"hour": 4, "minute": 29, "second": 49}
